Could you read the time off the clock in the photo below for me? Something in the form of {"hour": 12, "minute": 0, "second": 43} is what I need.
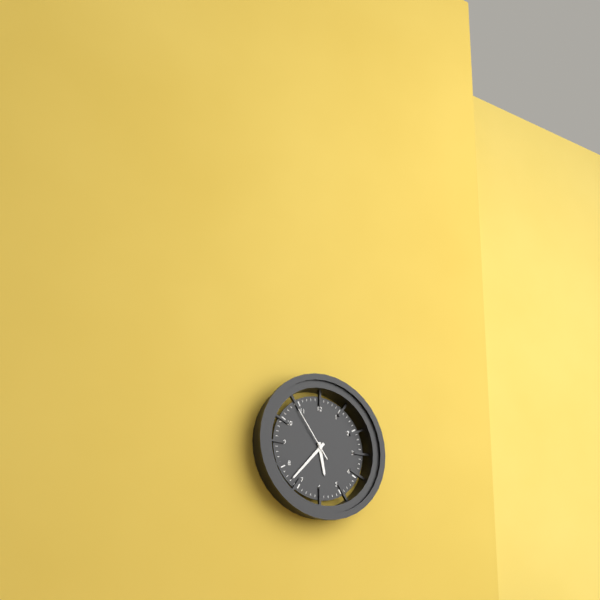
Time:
{"hour": 5, "minute": 37, "second": 54}
